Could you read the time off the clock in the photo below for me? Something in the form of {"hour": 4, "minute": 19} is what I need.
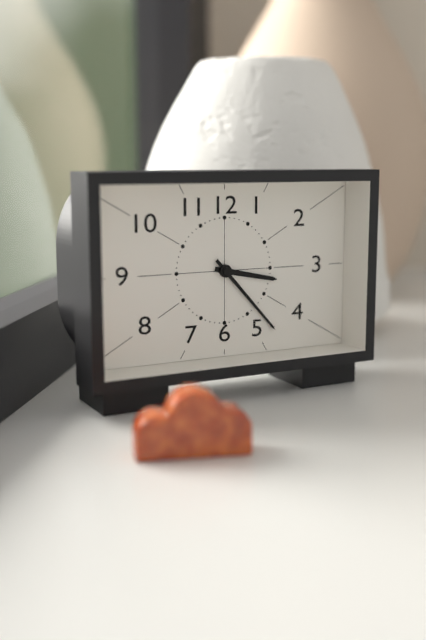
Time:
{"hour": 3, "minute": 23}
